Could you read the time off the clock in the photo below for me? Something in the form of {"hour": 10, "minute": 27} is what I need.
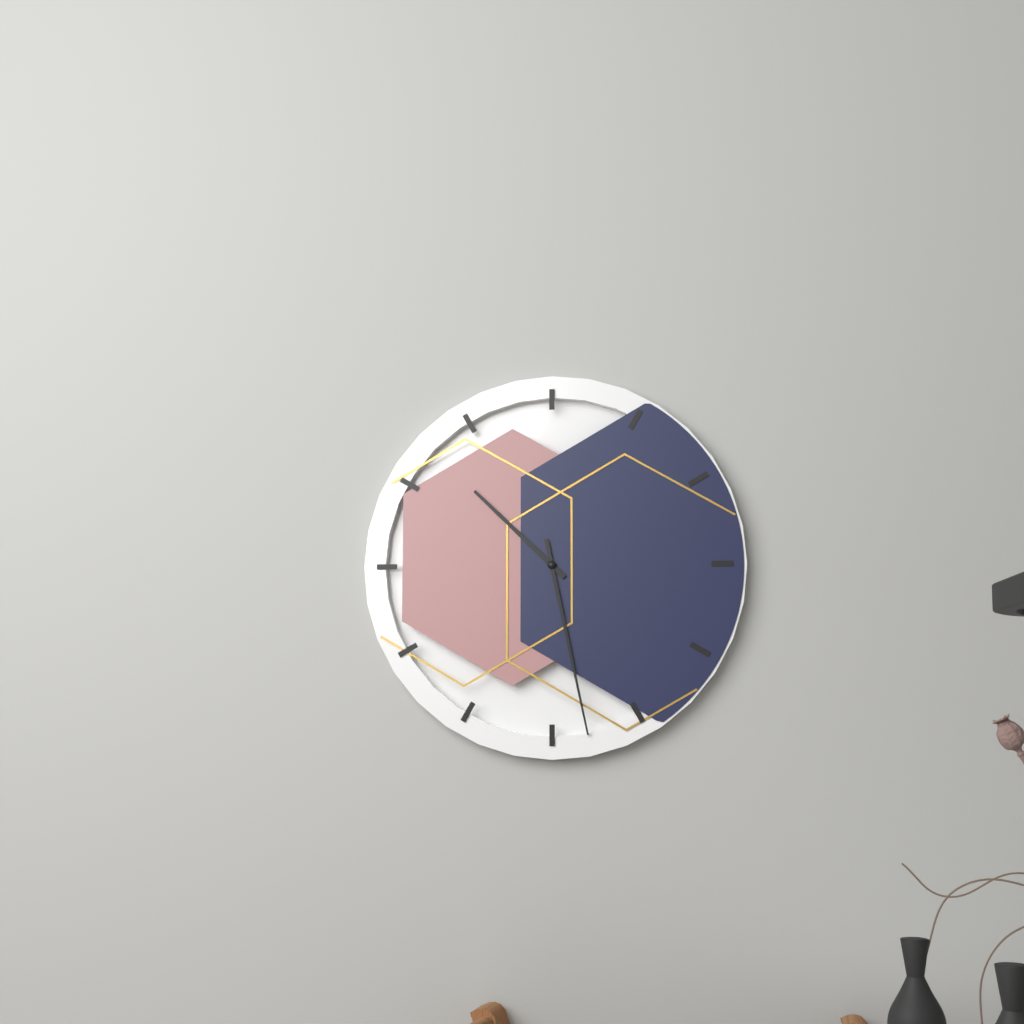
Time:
{"hour": 10, "minute": 28}
